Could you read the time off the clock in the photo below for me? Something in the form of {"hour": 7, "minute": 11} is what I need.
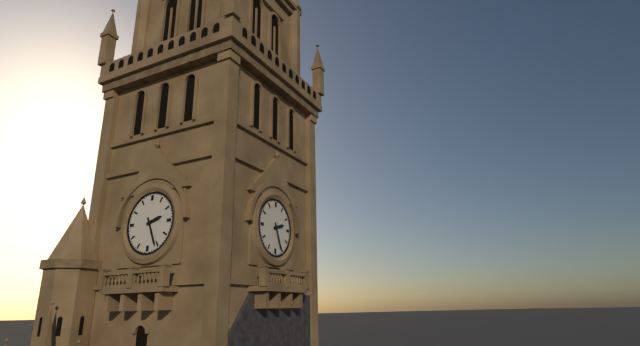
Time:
{"hour": 2, "minute": 26}
